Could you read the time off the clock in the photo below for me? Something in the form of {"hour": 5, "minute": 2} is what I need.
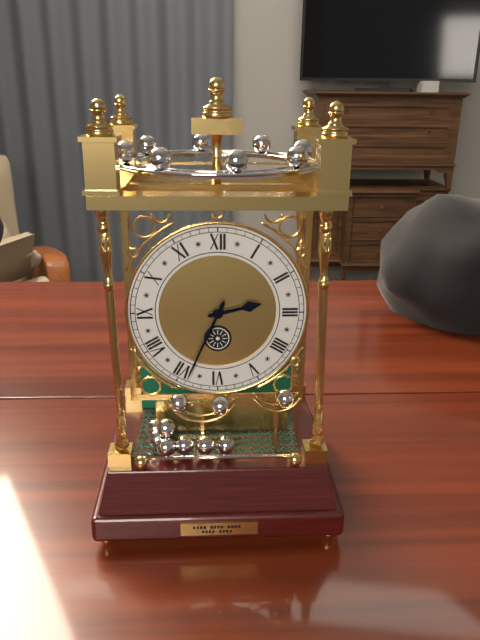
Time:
{"hour": 2, "minute": 34}
